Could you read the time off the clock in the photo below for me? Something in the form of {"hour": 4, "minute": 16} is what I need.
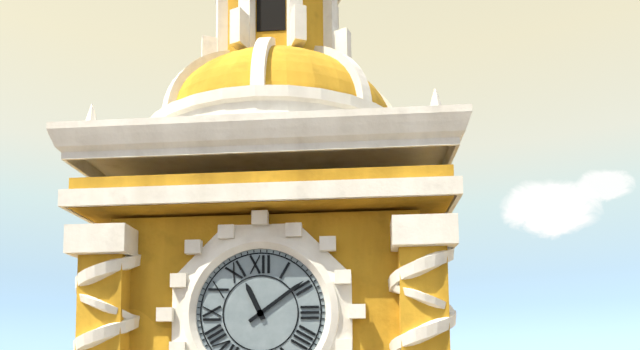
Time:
{"hour": 11, "minute": 9}
